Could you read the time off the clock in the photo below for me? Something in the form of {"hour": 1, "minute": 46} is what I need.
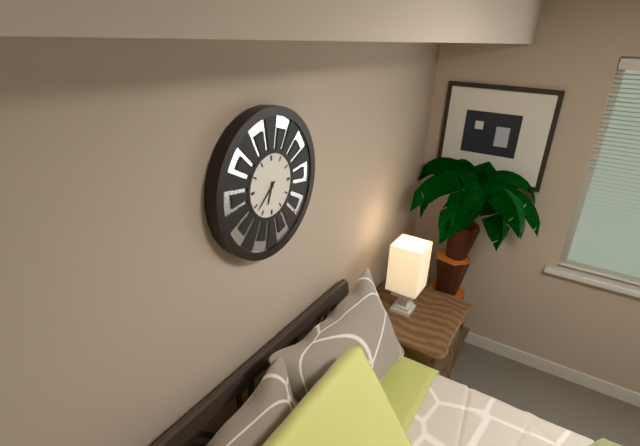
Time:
{"hour": 6, "minute": 38}
